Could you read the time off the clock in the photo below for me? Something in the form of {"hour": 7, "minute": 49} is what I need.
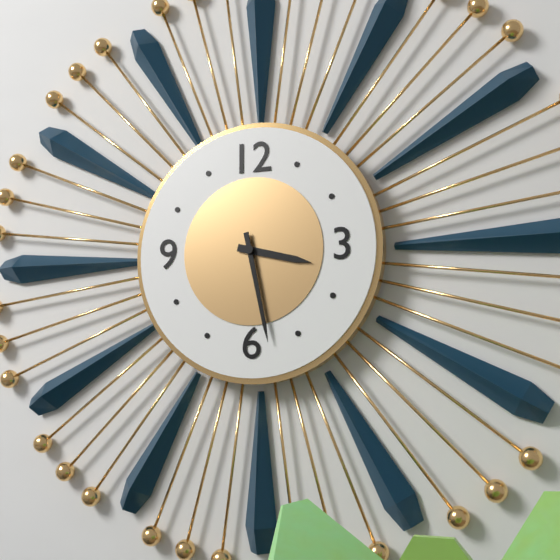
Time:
{"hour": 3, "minute": 28}
